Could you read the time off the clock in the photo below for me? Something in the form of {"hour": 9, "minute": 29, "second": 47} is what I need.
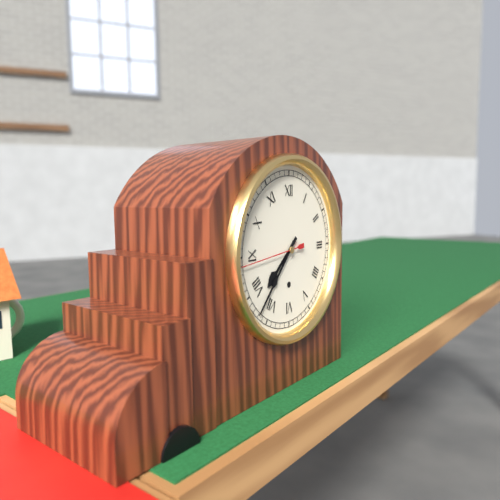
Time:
{"hour": 7, "minute": 37, "second": 44}
